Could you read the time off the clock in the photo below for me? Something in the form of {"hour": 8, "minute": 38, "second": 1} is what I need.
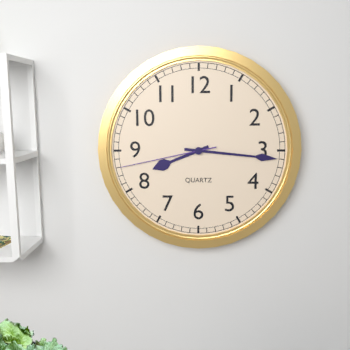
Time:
{"hour": 8, "minute": 16, "second": 43}
